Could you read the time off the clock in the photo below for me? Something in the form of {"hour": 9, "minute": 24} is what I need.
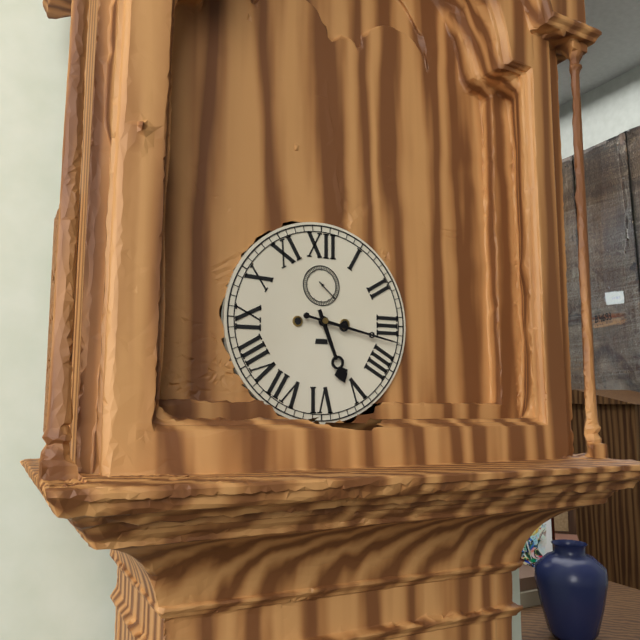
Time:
{"hour": 5, "minute": 17}
